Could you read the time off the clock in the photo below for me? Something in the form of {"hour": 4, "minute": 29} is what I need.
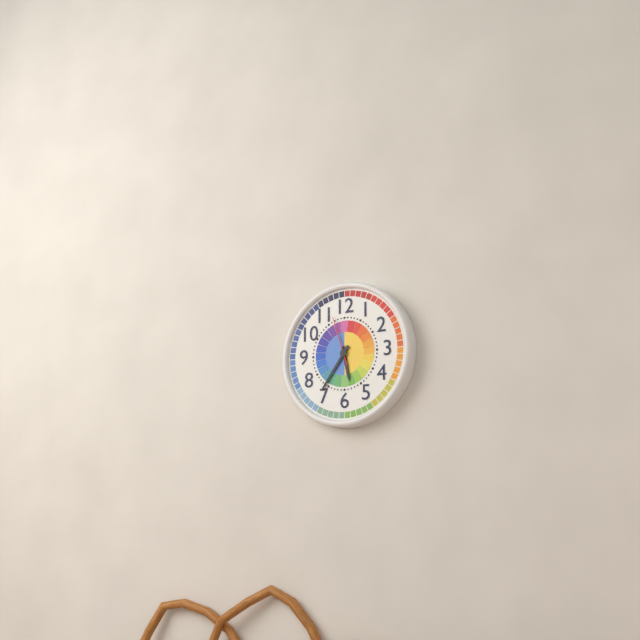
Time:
{"hour": 5, "minute": 36}
